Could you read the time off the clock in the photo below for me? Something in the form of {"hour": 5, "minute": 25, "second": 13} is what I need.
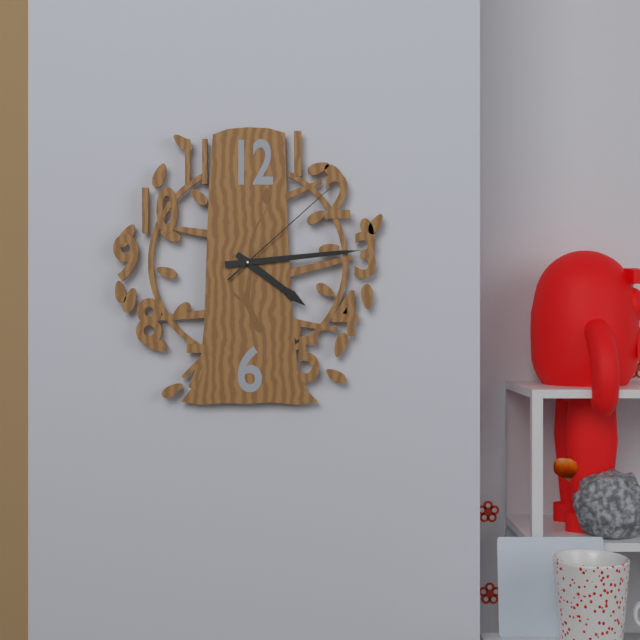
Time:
{"hour": 4, "minute": 14, "second": 8}
